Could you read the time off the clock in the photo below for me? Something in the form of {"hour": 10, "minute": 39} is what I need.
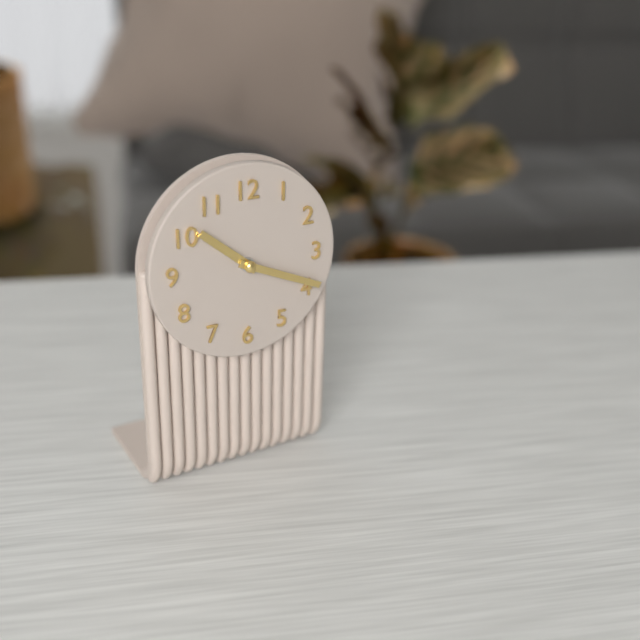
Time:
{"hour": 10, "minute": 19}
